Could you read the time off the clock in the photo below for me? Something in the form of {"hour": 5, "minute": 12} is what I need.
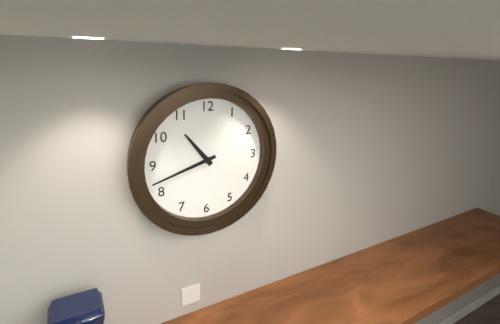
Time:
{"hour": 10, "minute": 42}
